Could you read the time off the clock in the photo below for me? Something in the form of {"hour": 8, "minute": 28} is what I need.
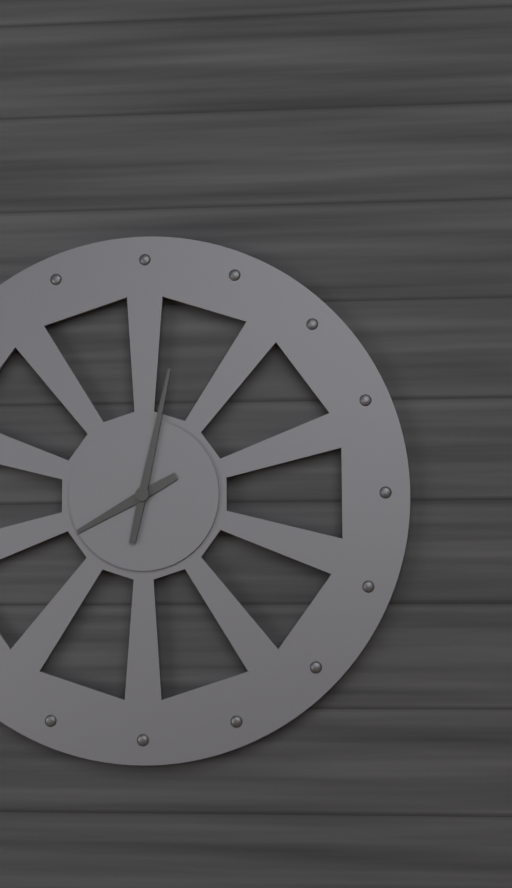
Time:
{"hour": 8, "minute": 2}
